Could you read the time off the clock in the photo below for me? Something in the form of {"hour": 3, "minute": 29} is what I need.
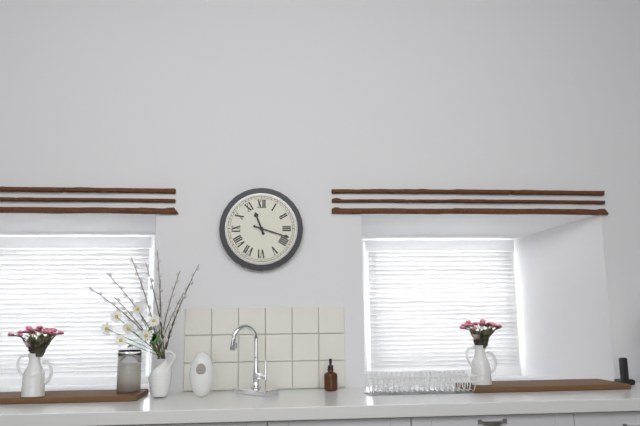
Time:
{"hour": 11, "minute": 18}
